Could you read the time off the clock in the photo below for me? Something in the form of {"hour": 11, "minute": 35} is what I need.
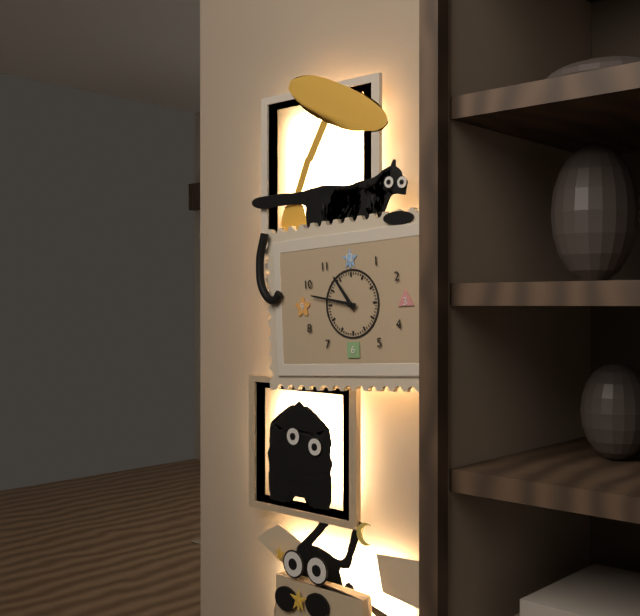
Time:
{"hour": 10, "minute": 47}
